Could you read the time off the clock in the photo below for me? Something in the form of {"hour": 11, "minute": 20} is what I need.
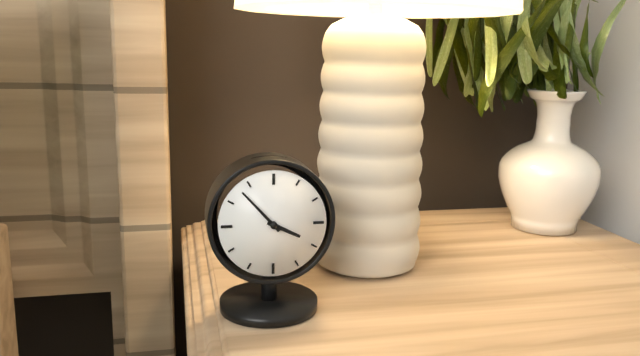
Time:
{"hour": 3, "minute": 53}
